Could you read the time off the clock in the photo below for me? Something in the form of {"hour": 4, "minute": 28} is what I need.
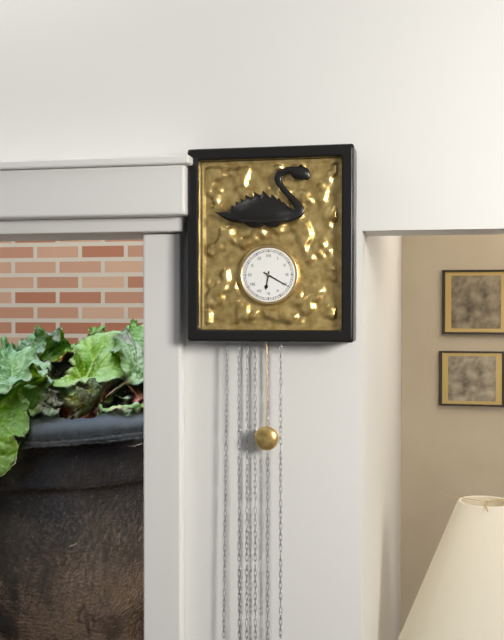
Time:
{"hour": 6, "minute": 20}
